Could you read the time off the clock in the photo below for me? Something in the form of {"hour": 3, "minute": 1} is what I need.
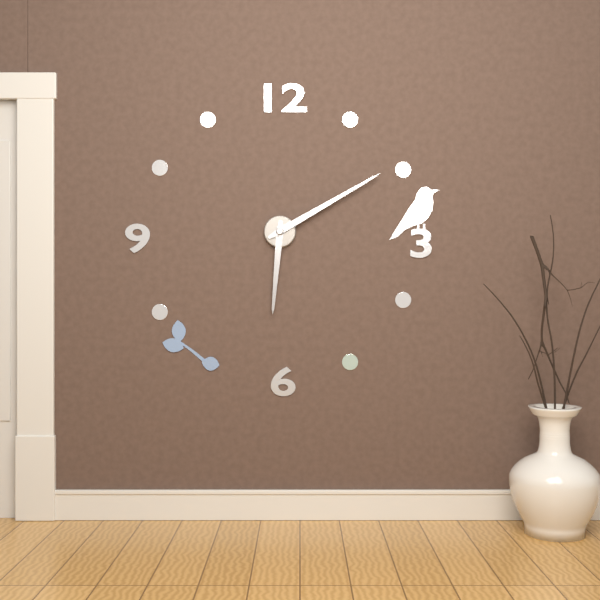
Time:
{"hour": 6, "minute": 10}
